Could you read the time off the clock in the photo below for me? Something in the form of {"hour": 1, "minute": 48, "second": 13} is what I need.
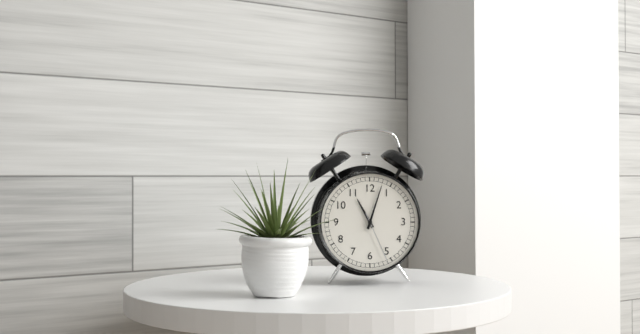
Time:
{"hour": 11, "minute": 3, "second": 26}
